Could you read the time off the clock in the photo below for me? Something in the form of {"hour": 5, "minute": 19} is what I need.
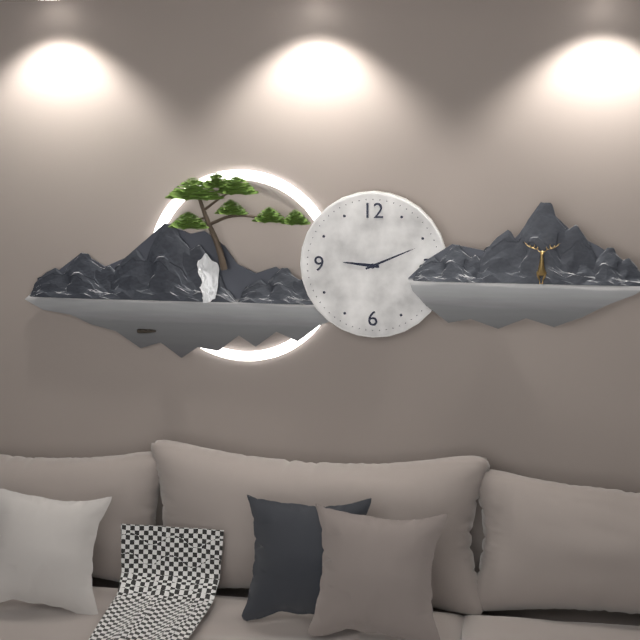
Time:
{"hour": 9, "minute": 11}
